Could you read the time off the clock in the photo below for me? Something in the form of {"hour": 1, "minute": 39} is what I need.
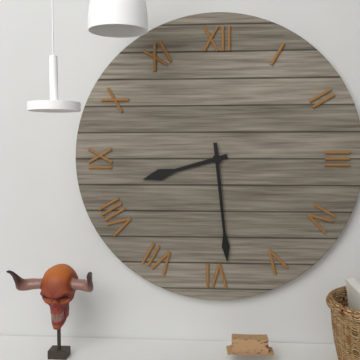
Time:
{"hour": 8, "minute": 29}
